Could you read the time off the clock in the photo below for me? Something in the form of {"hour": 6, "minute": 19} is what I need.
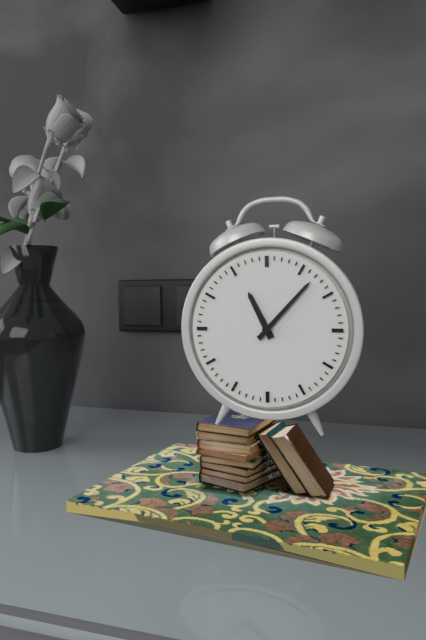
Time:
{"hour": 11, "minute": 7}
